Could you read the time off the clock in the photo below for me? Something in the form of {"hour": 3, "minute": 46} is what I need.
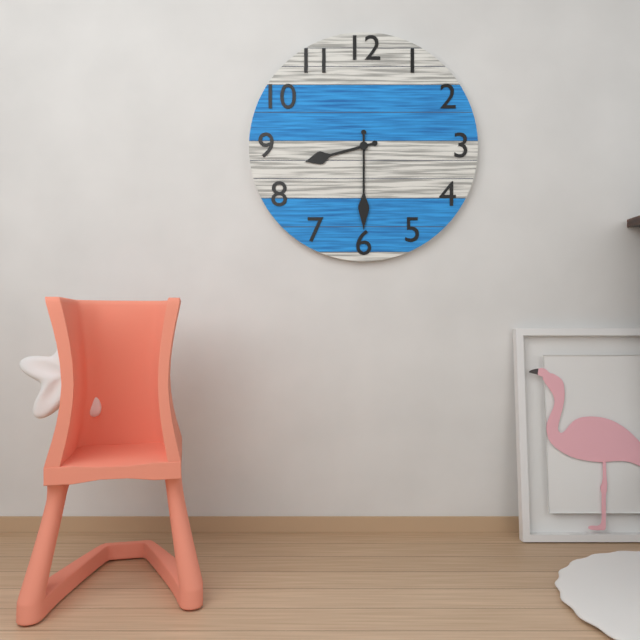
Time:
{"hour": 8, "minute": 30}
